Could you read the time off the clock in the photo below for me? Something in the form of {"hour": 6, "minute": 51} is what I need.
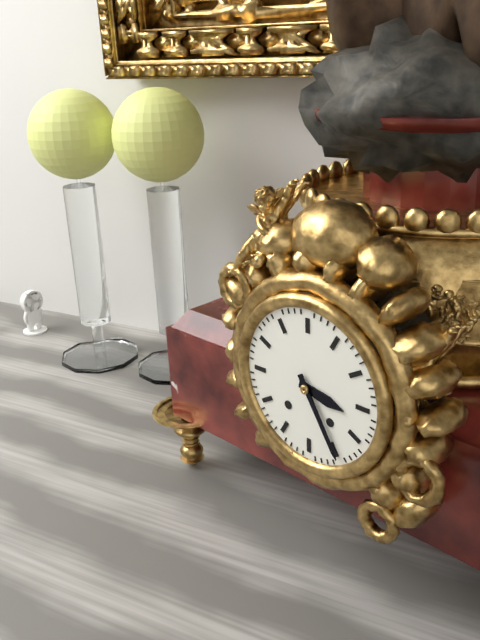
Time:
{"hour": 3, "minute": 25}
